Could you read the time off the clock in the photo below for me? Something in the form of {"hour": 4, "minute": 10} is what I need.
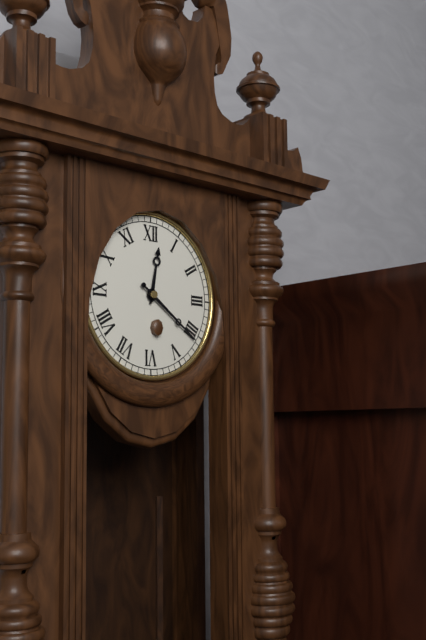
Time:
{"hour": 12, "minute": 21}
